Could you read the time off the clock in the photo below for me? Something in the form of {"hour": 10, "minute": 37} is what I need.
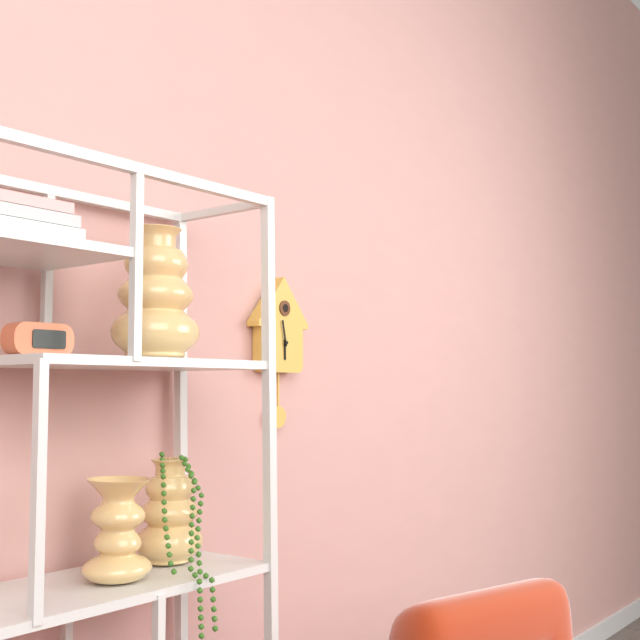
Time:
{"hour": 5, "minute": 58}
